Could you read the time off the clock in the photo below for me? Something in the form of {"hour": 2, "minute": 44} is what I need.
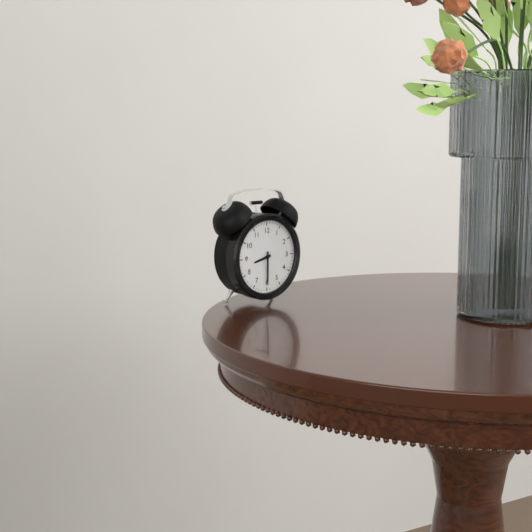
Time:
{"hour": 8, "minute": 30}
